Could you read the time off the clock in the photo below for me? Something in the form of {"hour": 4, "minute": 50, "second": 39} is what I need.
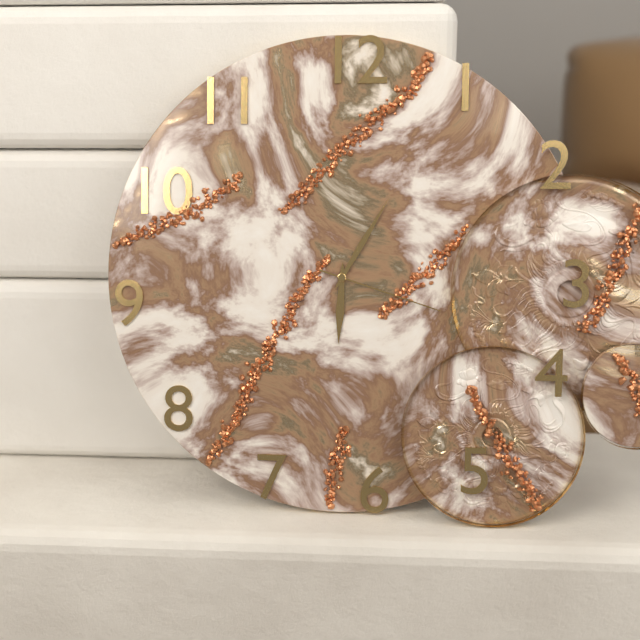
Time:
{"hour": 6, "minute": 5, "second": 18}
